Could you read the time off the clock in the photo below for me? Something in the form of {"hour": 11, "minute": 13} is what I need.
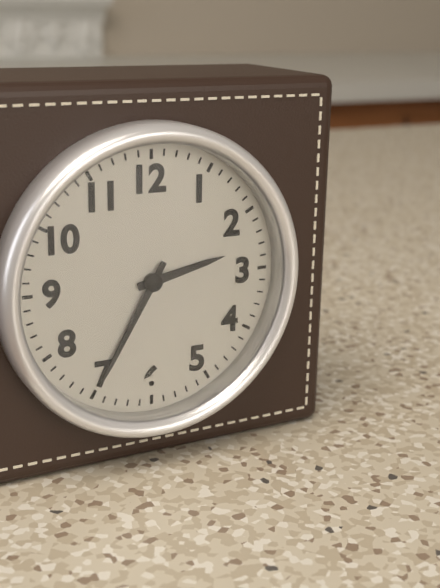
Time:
{"hour": 2, "minute": 35}
